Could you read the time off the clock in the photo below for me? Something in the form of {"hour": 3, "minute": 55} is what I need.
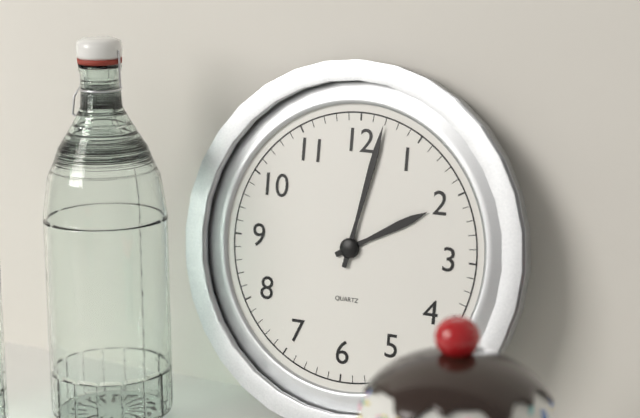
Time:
{"hour": 2, "minute": 2}
